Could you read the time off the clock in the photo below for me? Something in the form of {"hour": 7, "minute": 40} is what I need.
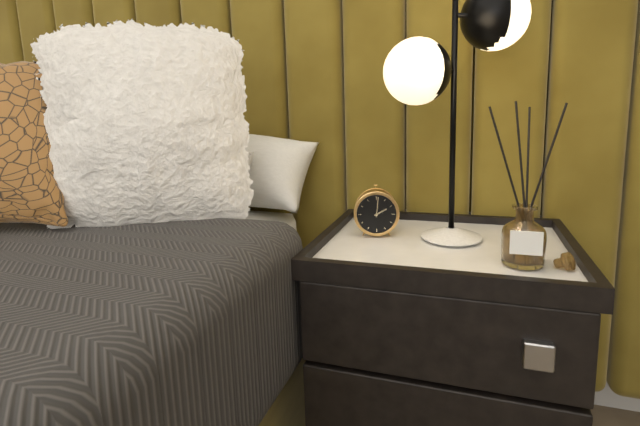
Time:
{"hour": 2, "minute": 1}
